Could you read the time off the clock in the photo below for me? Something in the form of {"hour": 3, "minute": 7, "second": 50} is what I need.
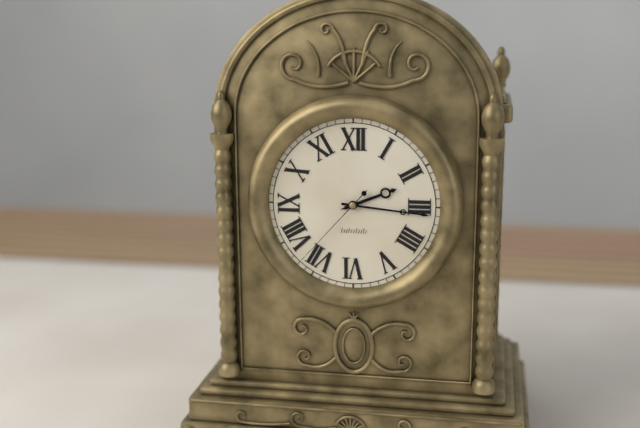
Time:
{"hour": 2, "minute": 16, "second": 37}
